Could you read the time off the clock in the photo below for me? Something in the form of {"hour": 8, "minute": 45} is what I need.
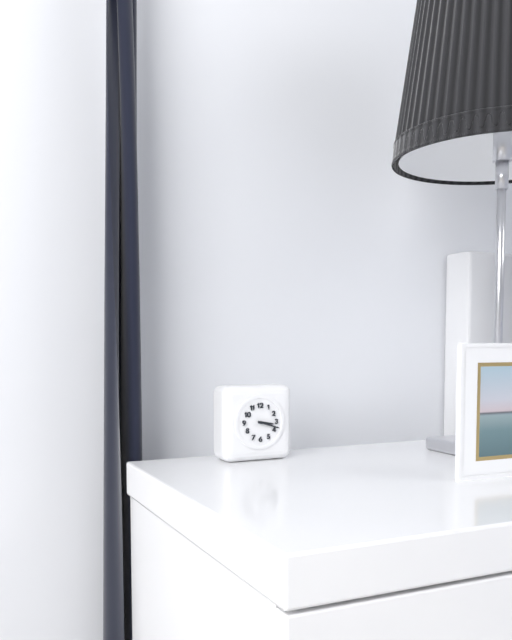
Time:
{"hour": 3, "minute": 18}
